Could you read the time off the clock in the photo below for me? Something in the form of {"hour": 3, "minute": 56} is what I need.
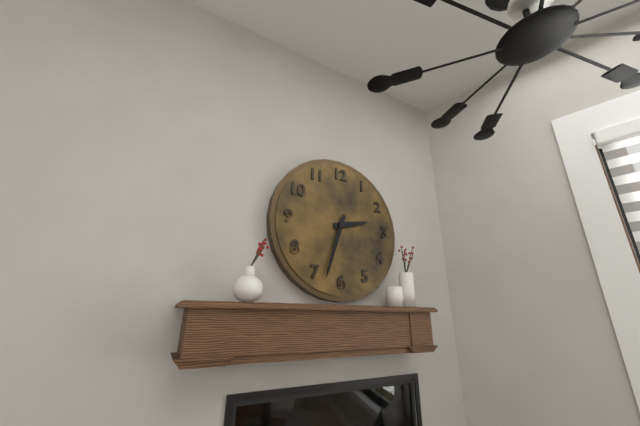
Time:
{"hour": 2, "minute": 33}
